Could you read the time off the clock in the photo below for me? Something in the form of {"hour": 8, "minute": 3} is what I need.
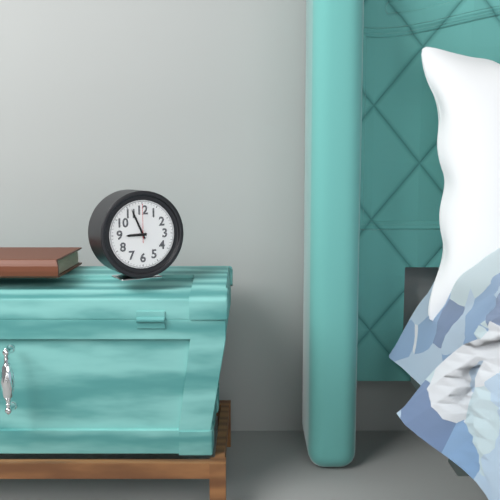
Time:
{"hour": 8, "minute": 56}
